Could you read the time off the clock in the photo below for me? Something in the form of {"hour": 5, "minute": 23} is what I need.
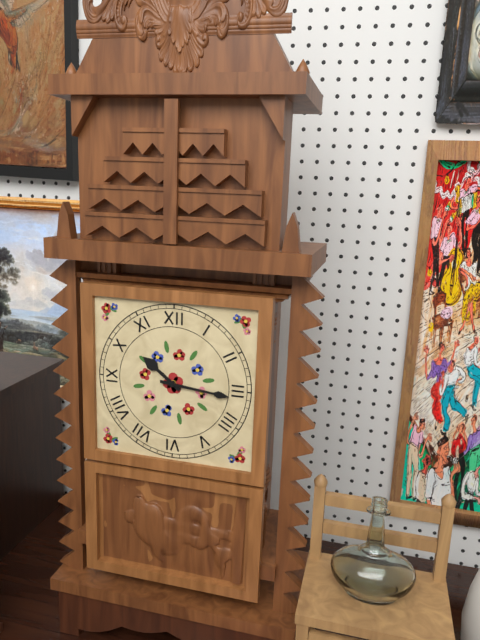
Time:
{"hour": 10, "minute": 16}
